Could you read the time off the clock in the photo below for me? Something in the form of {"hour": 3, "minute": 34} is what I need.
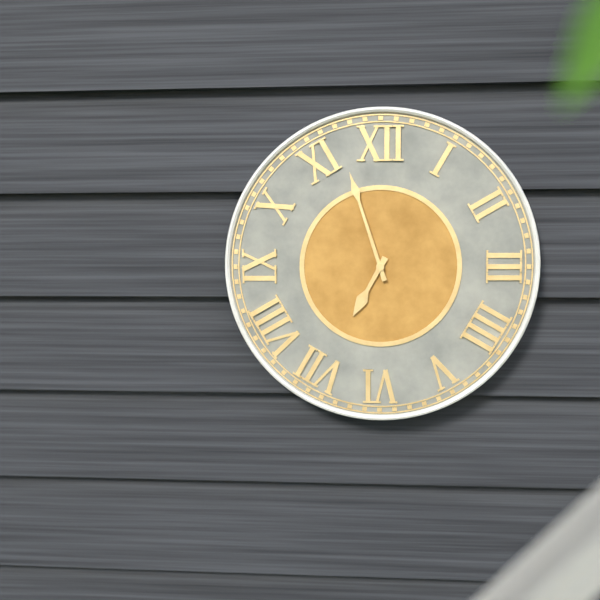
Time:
{"hour": 6, "minute": 57}
